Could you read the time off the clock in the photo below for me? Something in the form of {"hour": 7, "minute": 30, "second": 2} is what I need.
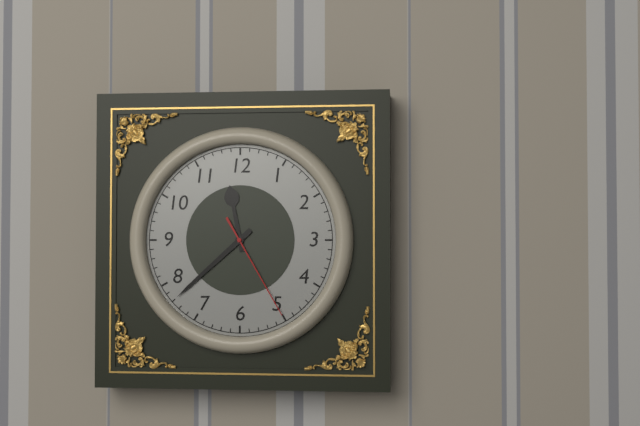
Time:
{"hour": 11, "minute": 38, "second": 25}
